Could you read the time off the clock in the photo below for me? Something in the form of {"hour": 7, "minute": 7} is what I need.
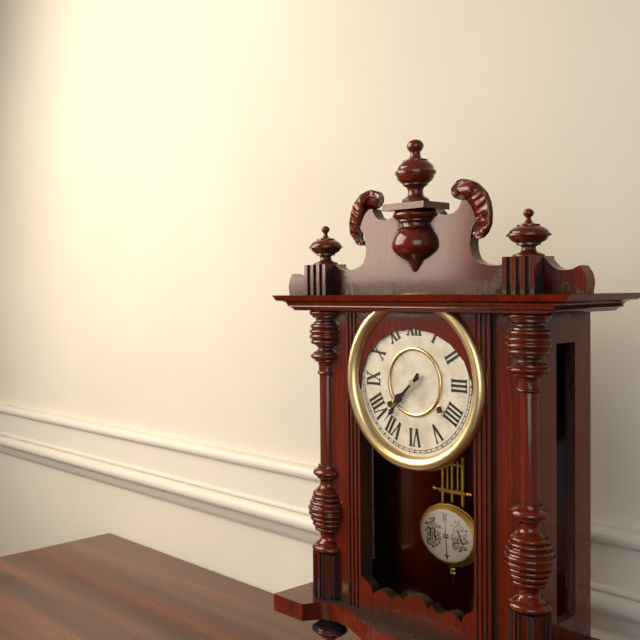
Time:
{"hour": 7, "minute": 37}
